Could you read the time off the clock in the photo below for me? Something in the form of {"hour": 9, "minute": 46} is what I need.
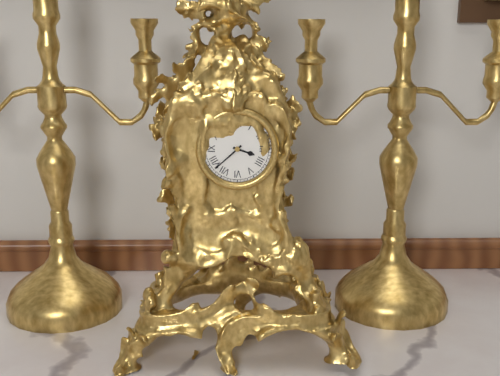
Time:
{"hour": 3, "minute": 38}
